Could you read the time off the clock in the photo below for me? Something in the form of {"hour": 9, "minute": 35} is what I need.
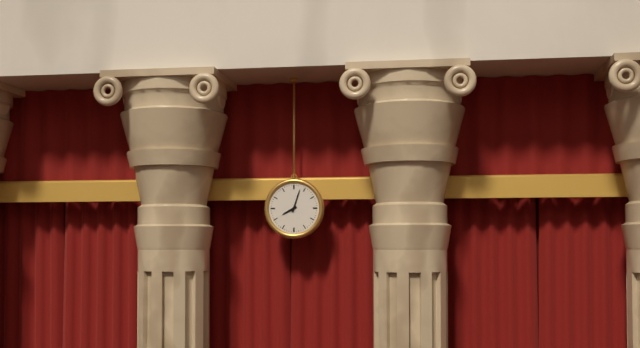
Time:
{"hour": 8, "minute": 3}
